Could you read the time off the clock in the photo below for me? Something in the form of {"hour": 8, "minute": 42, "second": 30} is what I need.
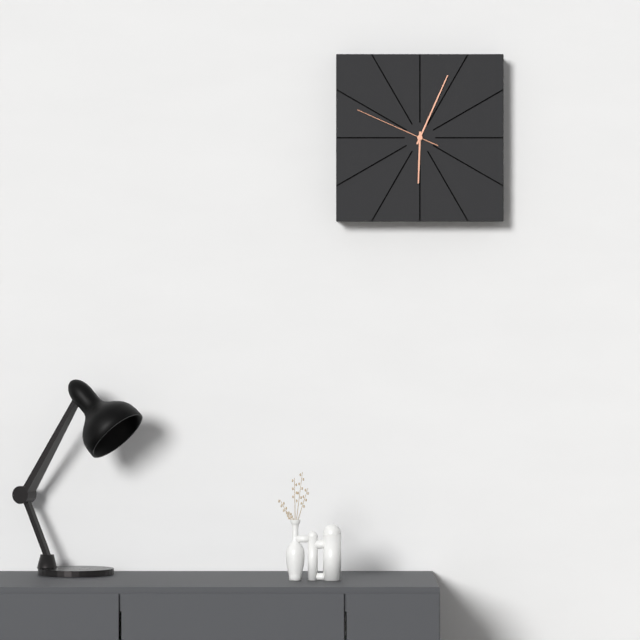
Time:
{"hour": 6, "minute": 4, "second": 49}
